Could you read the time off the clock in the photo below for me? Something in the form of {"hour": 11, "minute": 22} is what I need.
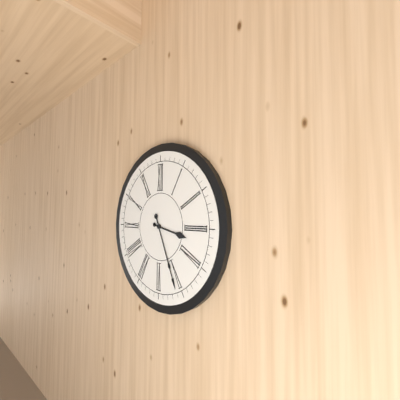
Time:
{"hour": 3, "minute": 26}
